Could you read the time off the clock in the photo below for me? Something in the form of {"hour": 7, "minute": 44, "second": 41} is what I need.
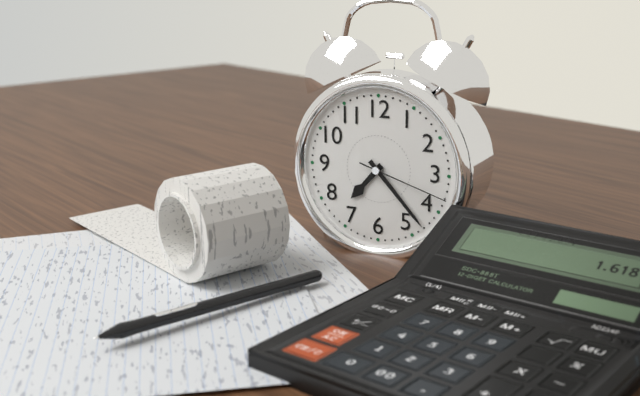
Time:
{"hour": 7, "minute": 23, "second": 18}
